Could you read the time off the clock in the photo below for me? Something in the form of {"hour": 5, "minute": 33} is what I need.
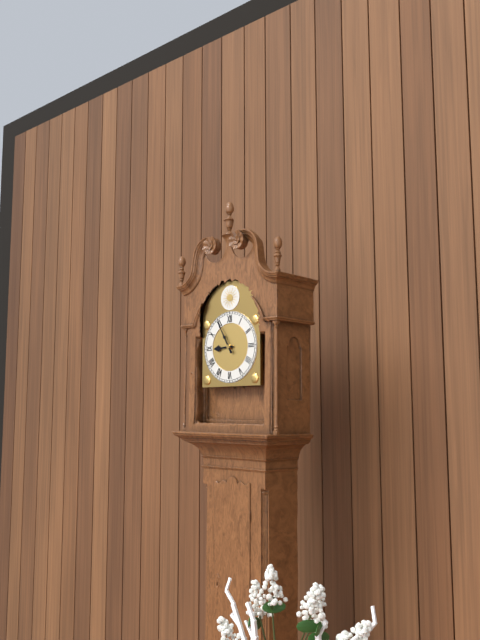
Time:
{"hour": 8, "minute": 55}
